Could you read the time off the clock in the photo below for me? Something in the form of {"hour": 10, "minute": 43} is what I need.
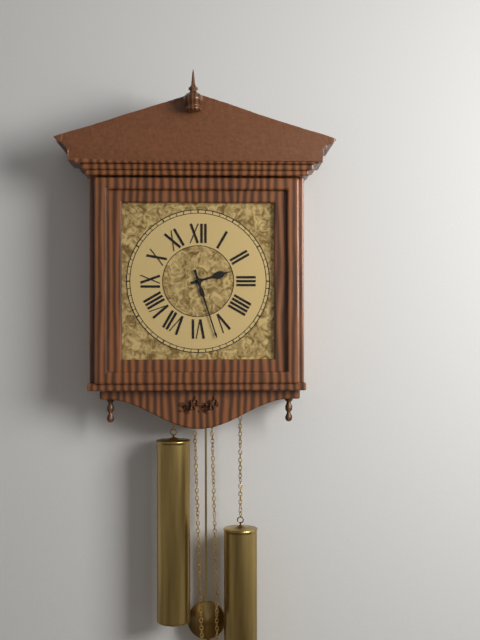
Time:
{"hour": 2, "minute": 27}
